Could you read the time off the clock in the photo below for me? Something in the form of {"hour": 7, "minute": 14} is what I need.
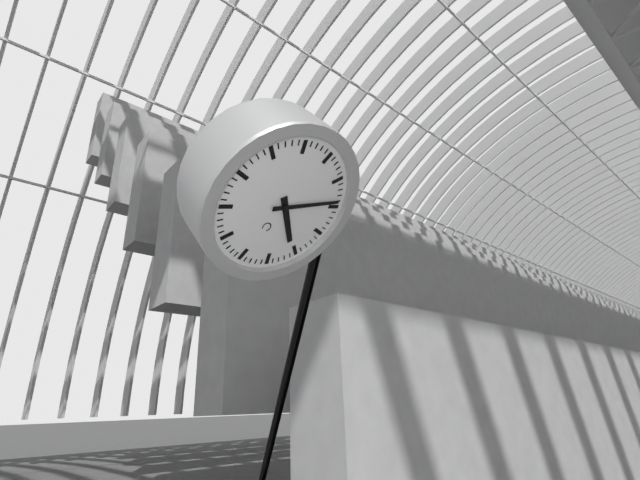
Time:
{"hour": 4, "minute": 9}
